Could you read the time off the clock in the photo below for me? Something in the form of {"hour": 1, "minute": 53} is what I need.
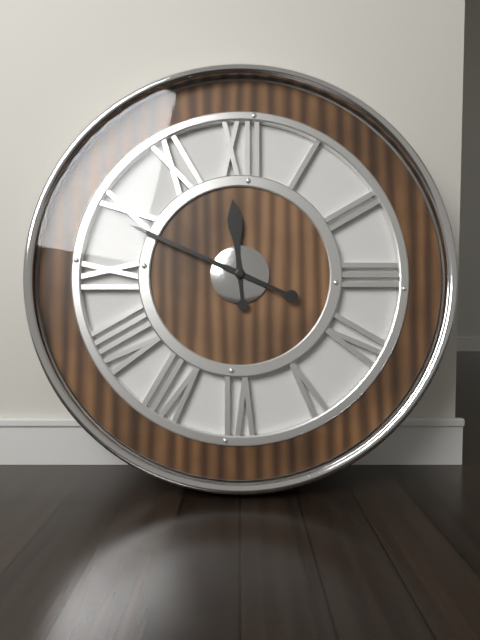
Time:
{"hour": 11, "minute": 49}
